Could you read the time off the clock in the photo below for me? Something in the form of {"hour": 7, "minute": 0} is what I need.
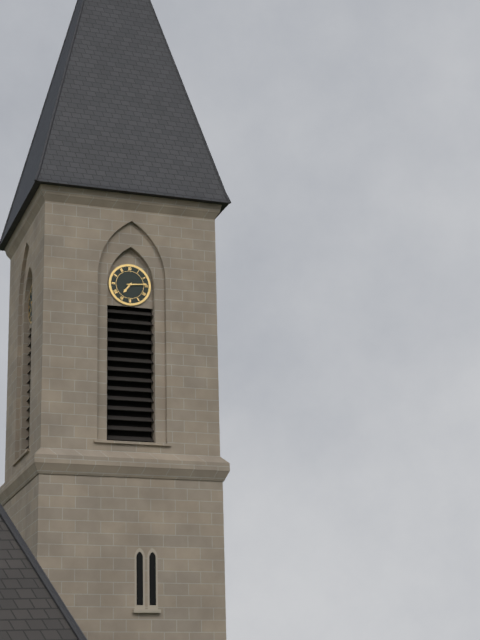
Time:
{"hour": 7, "minute": 14}
